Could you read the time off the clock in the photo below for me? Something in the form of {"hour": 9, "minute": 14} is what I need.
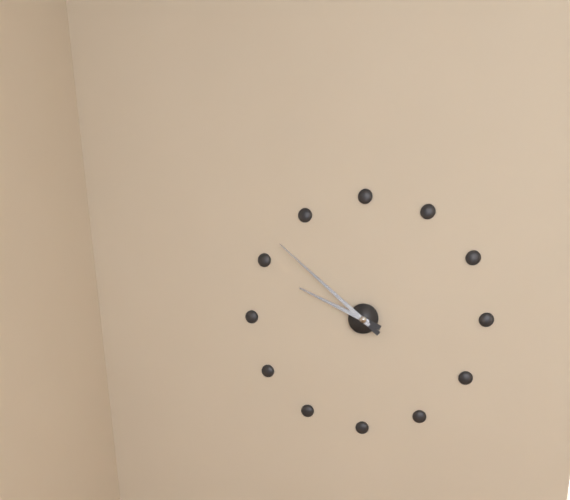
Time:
{"hour": 9, "minute": 52}
